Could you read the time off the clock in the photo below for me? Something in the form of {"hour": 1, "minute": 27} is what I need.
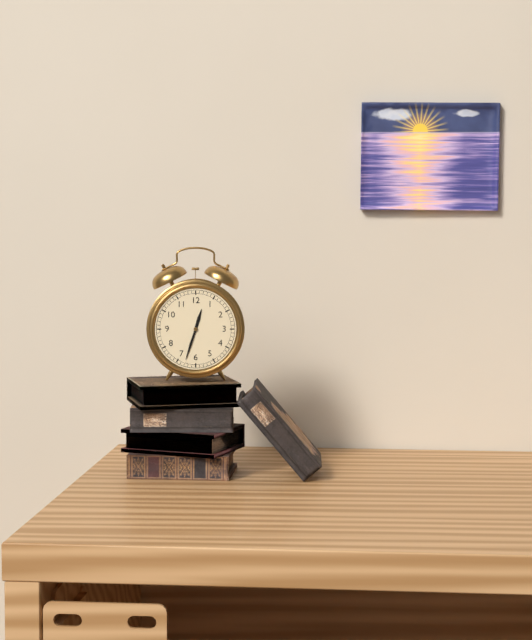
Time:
{"hour": 12, "minute": 33}
